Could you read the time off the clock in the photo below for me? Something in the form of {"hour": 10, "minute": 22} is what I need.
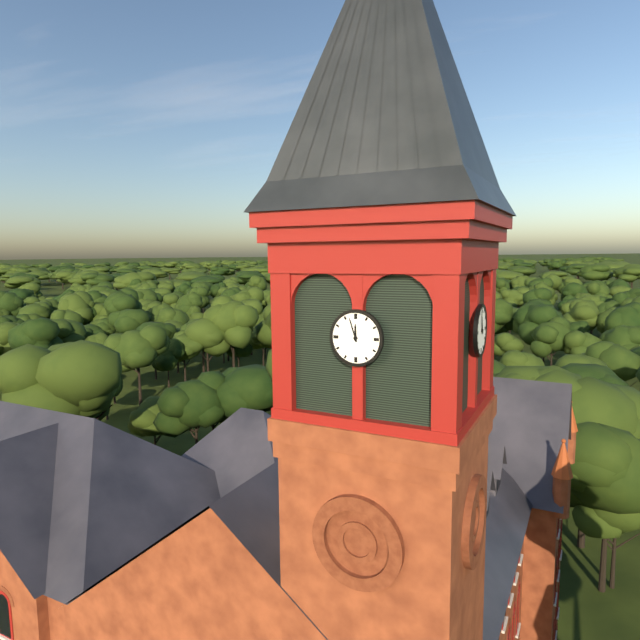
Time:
{"hour": 11, "minute": 57}
